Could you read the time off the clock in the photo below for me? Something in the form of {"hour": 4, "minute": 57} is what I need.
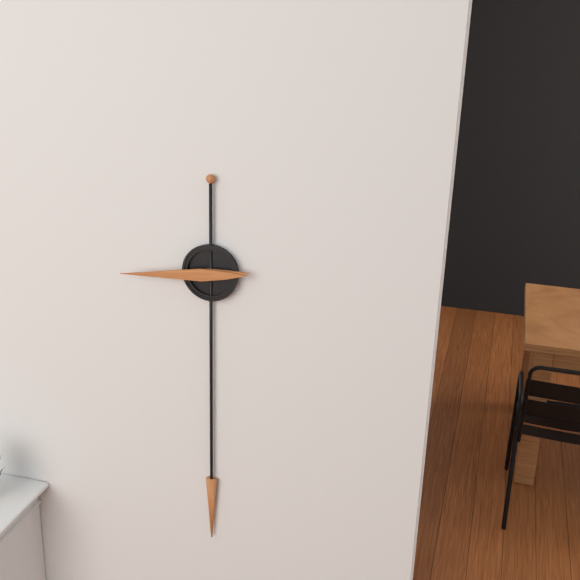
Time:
{"hour": 8, "minute": 44}
